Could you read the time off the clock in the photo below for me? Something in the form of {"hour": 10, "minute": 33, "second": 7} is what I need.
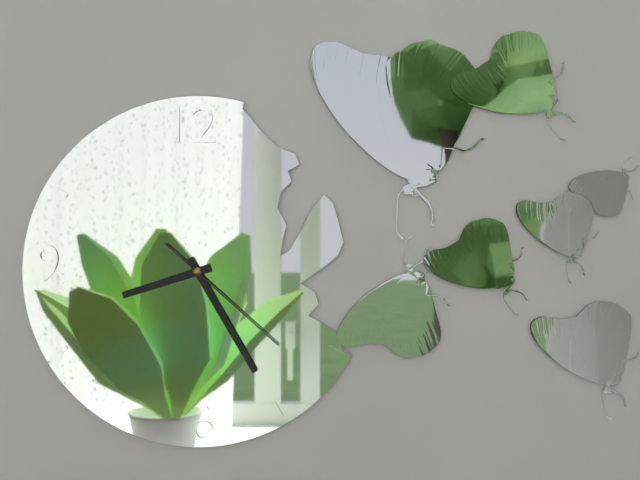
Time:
{"hour": 8, "minute": 25, "second": 22}
